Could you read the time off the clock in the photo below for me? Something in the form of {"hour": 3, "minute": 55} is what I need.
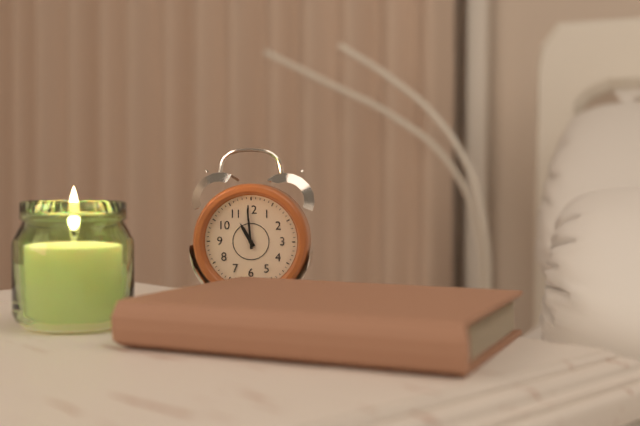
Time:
{"hour": 10, "minute": 59}
